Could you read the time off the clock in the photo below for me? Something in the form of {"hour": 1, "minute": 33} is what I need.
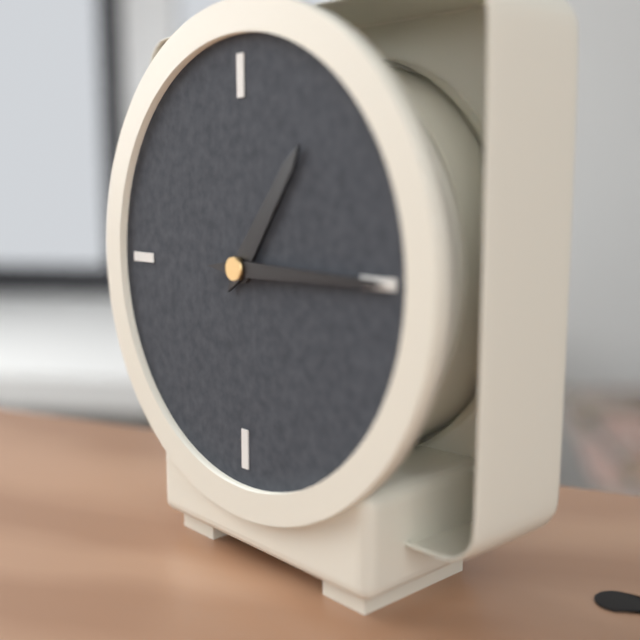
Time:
{"hour": 1, "minute": 15}
